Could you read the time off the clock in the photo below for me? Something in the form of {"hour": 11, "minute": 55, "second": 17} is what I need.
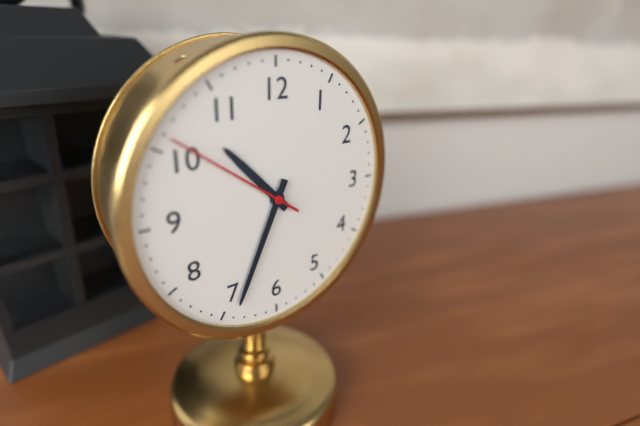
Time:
{"hour": 10, "minute": 34, "second": 51}
